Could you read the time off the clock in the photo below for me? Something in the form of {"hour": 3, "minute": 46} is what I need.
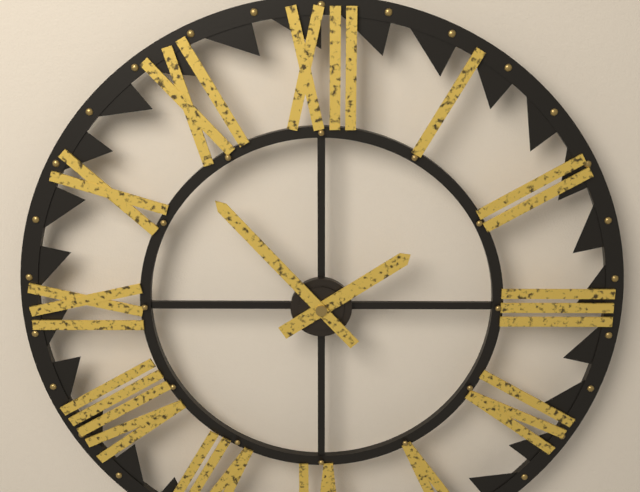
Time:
{"hour": 1, "minute": 53}
